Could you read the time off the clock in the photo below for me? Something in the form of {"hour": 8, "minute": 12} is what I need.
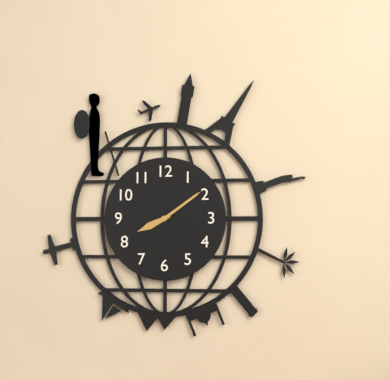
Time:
{"hour": 8, "minute": 9}
